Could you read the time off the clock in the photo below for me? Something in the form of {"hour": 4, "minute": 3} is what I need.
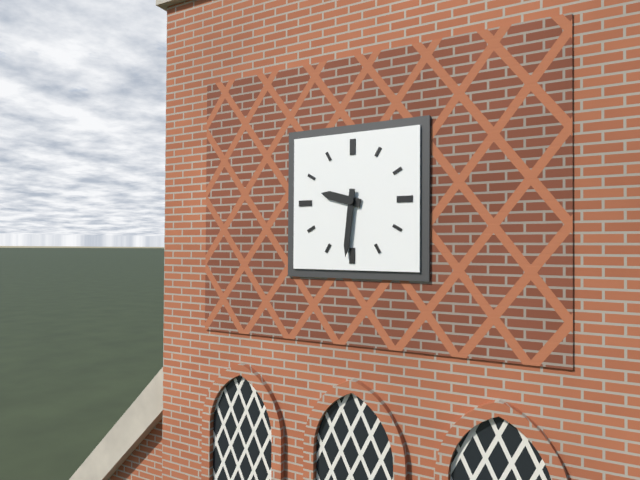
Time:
{"hour": 9, "minute": 31}
